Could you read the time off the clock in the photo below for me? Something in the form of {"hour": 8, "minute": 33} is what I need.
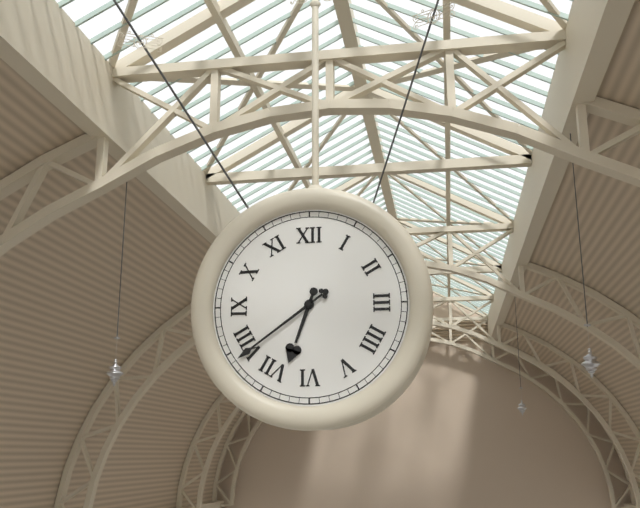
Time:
{"hour": 6, "minute": 39}
